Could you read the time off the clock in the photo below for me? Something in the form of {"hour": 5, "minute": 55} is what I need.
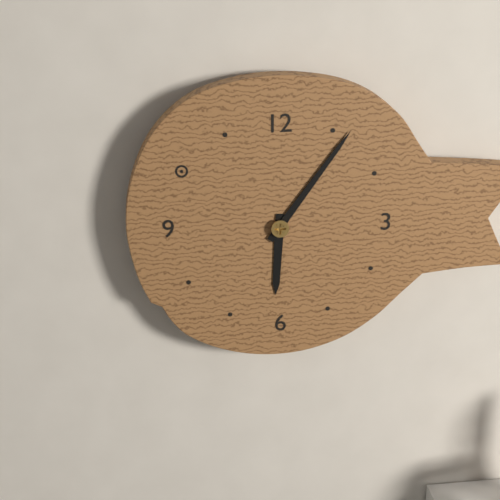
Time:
{"hour": 6, "minute": 6}
